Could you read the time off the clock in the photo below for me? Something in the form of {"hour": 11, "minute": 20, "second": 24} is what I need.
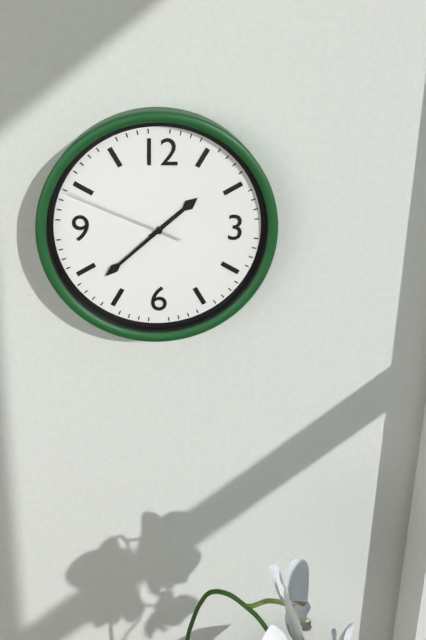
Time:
{"hour": 1, "minute": 38, "second": 49}
